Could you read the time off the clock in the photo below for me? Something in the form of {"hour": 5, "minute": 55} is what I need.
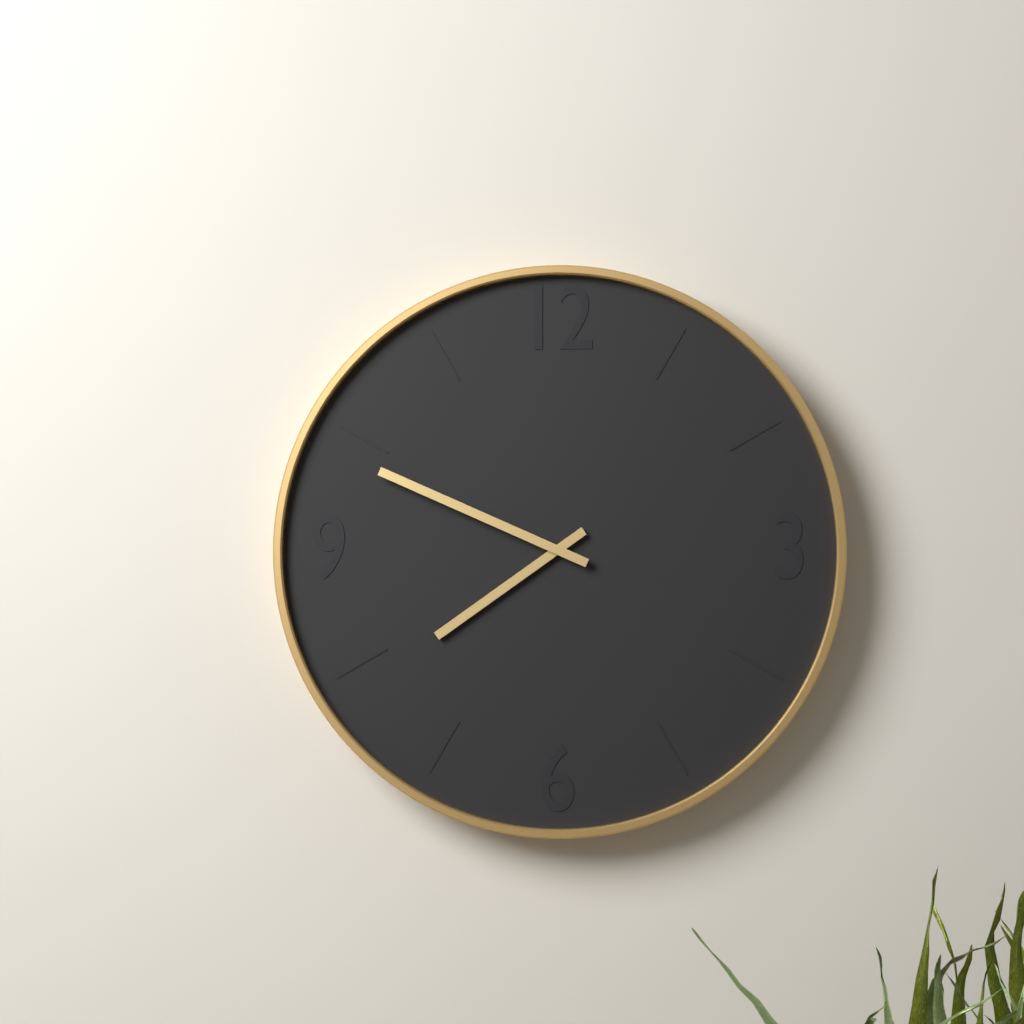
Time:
{"hour": 7, "minute": 49}
